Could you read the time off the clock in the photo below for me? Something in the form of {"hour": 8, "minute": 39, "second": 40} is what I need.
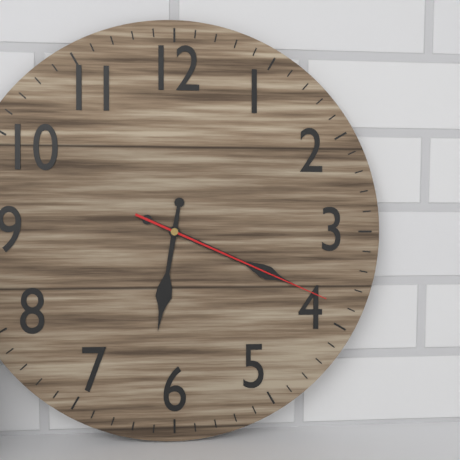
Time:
{"hour": 6, "minute": 19, "second": 19}
